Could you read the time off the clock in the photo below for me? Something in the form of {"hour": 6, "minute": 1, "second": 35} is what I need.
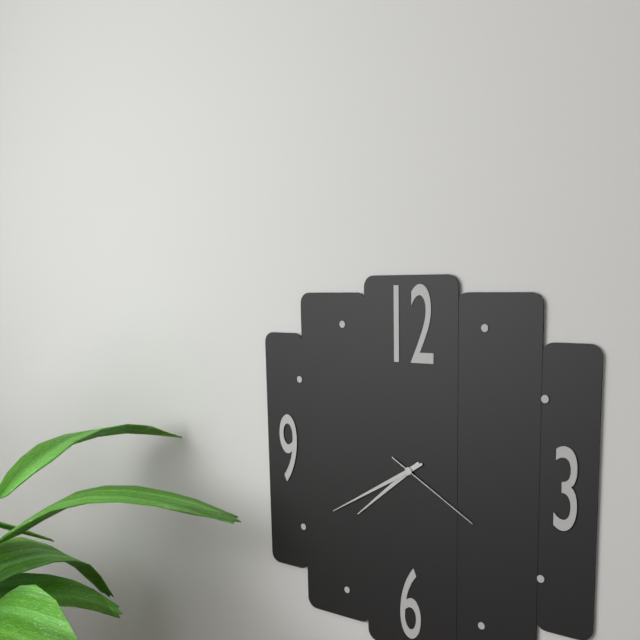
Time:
{"hour": 7, "minute": 40, "second": 20}
